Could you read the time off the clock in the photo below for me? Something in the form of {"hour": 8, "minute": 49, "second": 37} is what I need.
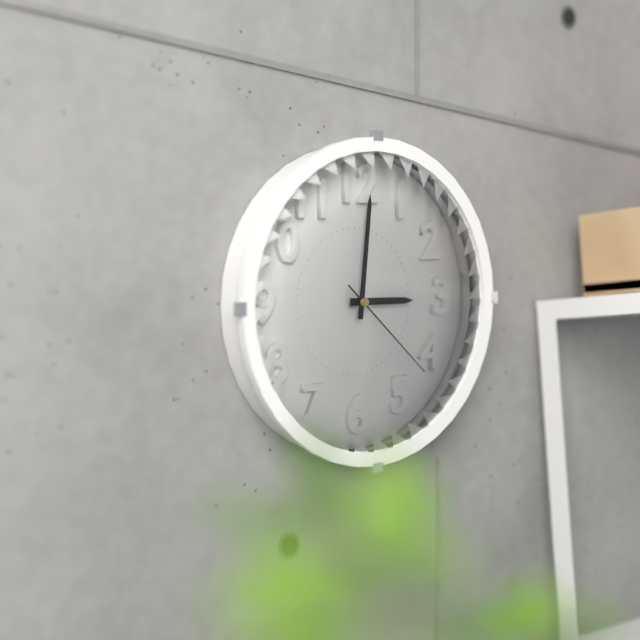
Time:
{"hour": 3, "minute": 1, "second": 22}
